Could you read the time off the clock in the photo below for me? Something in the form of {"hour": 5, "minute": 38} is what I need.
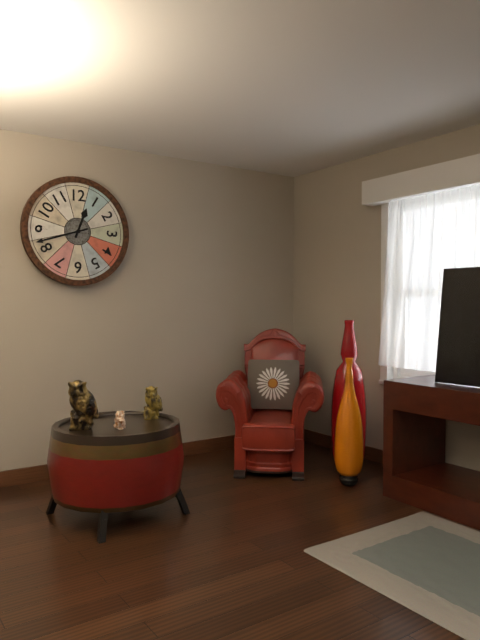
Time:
{"hour": 12, "minute": 42}
